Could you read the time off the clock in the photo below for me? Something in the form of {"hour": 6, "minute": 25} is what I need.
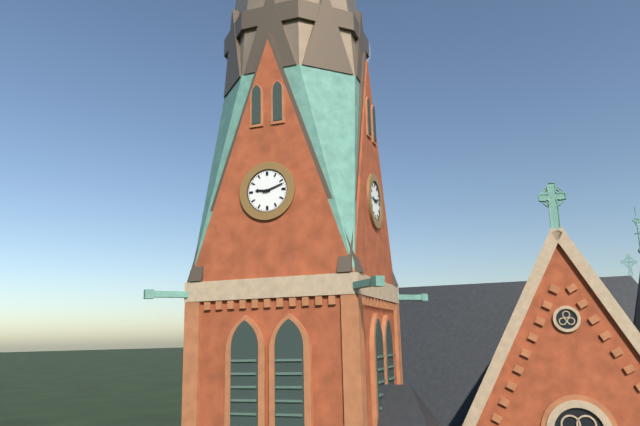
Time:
{"hour": 9, "minute": 12}
